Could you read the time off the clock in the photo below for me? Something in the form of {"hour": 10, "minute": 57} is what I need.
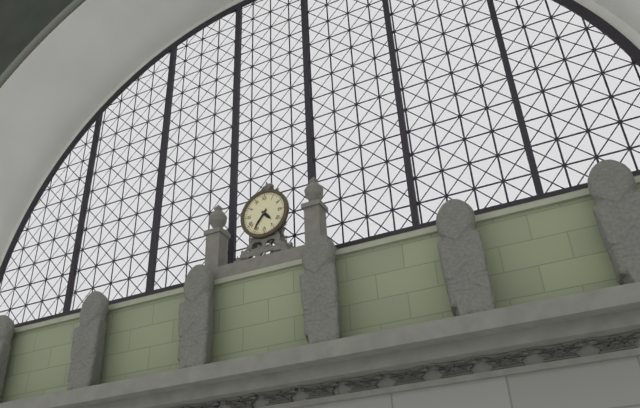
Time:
{"hour": 4, "minute": 36}
